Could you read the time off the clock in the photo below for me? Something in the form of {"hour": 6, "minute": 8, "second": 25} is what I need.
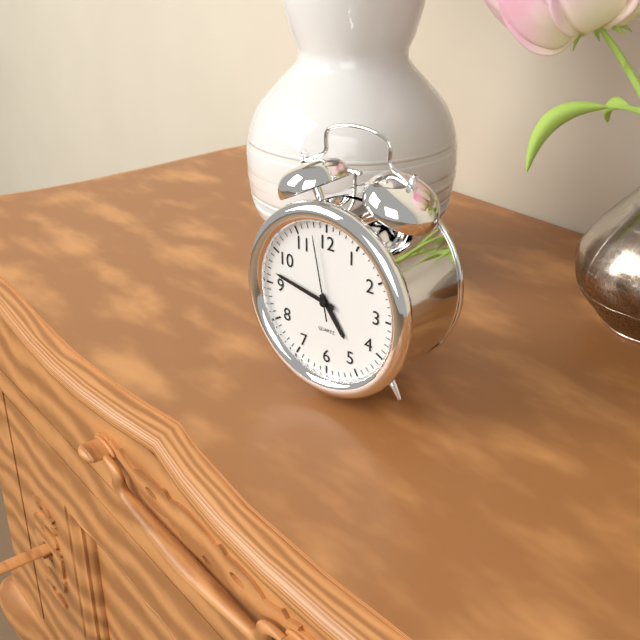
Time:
{"hour": 4, "minute": 47, "second": 58}
